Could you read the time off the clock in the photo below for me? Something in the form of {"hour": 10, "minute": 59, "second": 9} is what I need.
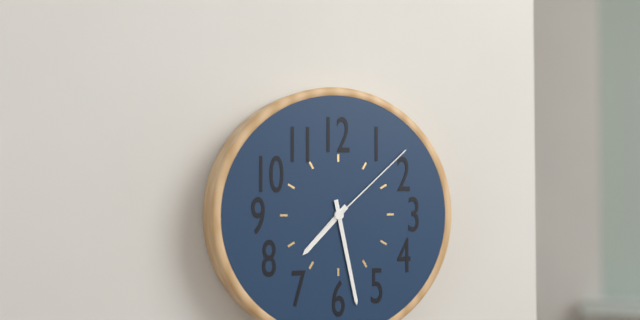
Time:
{"hour": 7, "minute": 28, "second": 8}
